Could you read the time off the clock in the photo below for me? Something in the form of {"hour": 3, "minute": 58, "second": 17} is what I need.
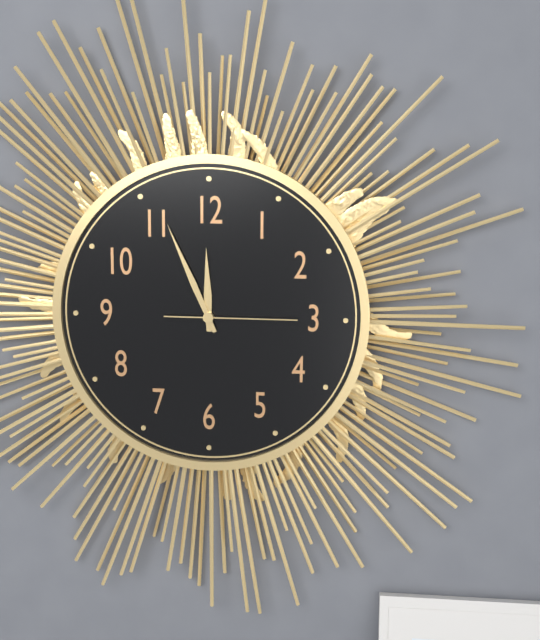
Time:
{"hour": 11, "minute": 56, "second": 15}
